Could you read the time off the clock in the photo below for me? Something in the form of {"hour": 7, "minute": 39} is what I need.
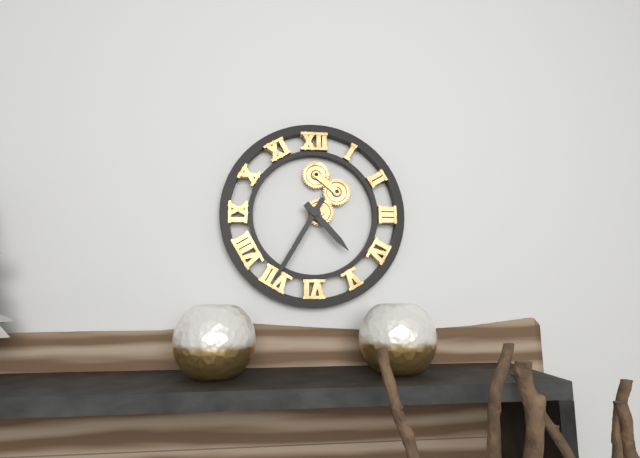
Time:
{"hour": 4, "minute": 35}
